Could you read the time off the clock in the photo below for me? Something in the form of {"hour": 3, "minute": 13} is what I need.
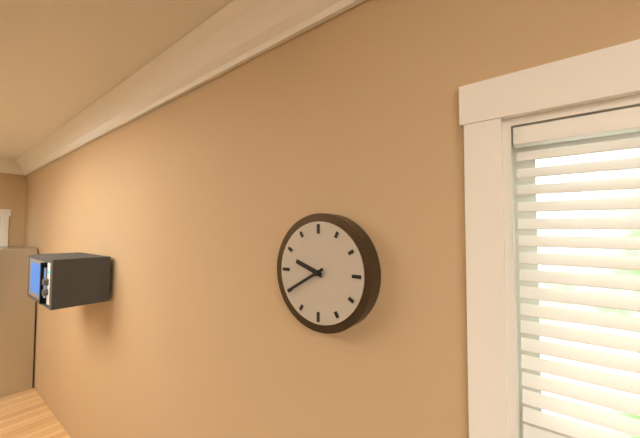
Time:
{"hour": 9, "minute": 40}
